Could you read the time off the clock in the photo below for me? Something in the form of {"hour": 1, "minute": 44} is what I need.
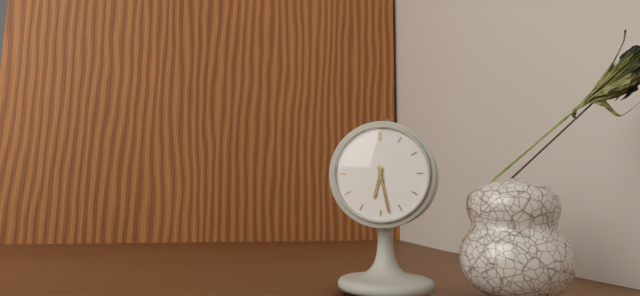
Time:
{"hour": 6, "minute": 28}
